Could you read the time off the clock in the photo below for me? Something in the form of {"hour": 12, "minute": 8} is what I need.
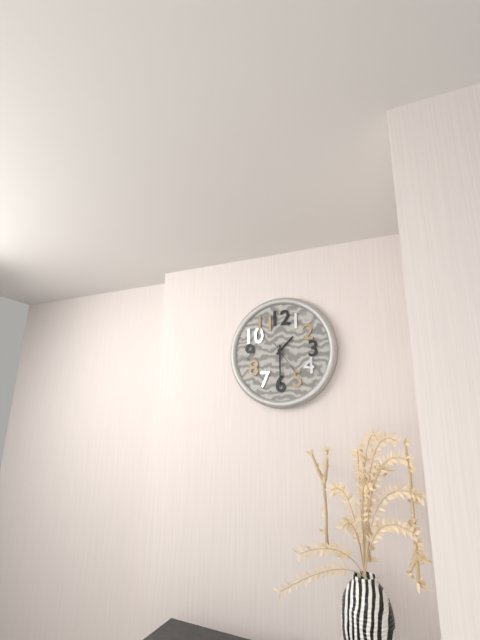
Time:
{"hour": 1, "minute": 30}
